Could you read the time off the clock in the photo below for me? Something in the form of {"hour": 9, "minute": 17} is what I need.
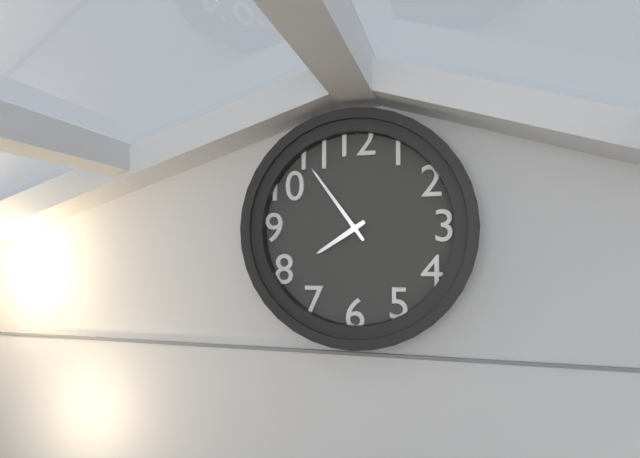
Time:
{"hour": 7, "minute": 54}
